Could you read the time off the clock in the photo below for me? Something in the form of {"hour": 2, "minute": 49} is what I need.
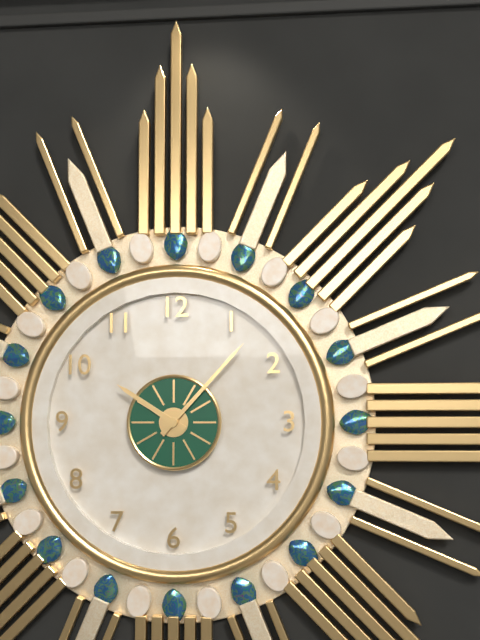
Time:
{"hour": 10, "minute": 7}
